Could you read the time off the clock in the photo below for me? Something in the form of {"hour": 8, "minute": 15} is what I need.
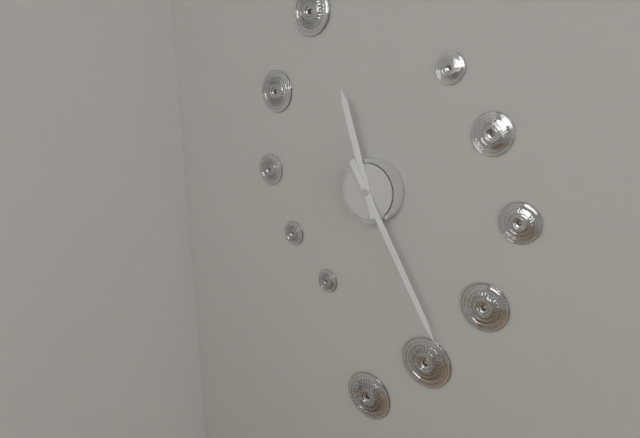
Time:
{"hour": 11, "minute": 25}
